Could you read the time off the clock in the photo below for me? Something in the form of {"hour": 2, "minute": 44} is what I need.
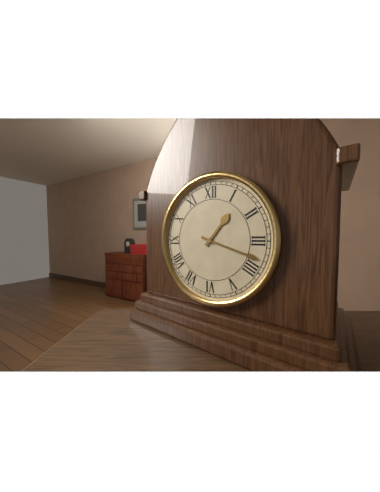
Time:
{"hour": 1, "minute": 18}
